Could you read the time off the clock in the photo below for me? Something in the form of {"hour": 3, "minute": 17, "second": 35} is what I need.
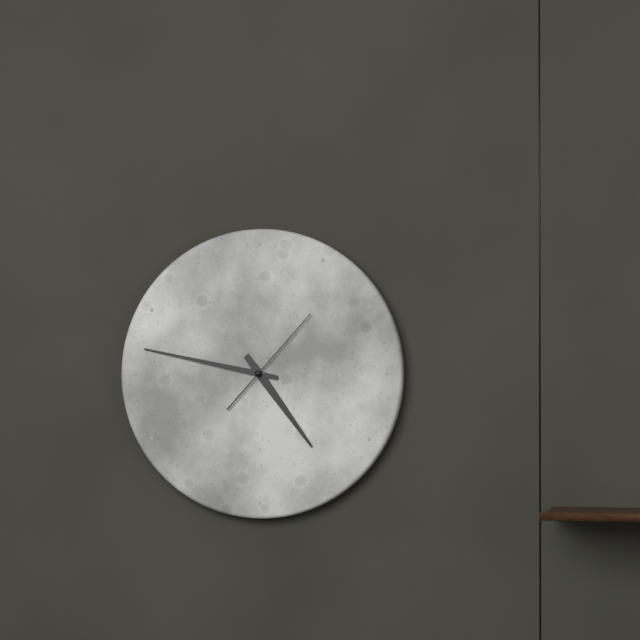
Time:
{"hour": 4, "minute": 47, "second": 7}
